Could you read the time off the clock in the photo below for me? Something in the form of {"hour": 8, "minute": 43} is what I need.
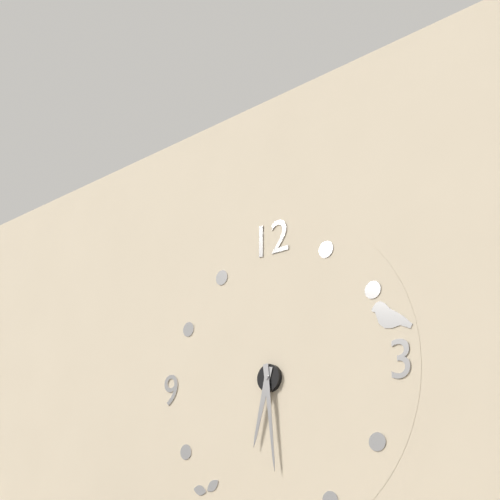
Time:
{"hour": 6, "minute": 29}
